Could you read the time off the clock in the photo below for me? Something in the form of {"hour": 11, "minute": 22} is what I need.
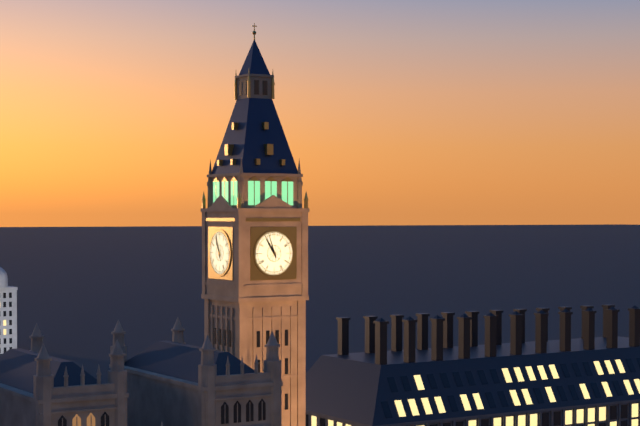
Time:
{"hour": 10, "minute": 57}
